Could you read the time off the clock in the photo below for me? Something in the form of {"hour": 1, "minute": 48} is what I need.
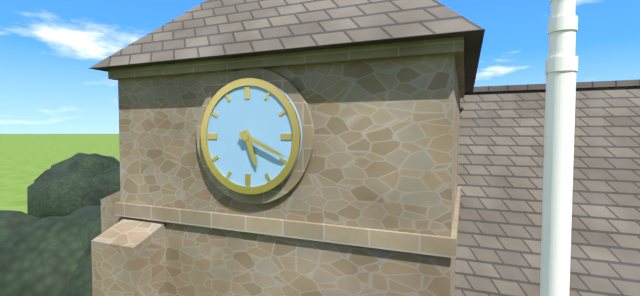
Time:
{"hour": 5, "minute": 19}
